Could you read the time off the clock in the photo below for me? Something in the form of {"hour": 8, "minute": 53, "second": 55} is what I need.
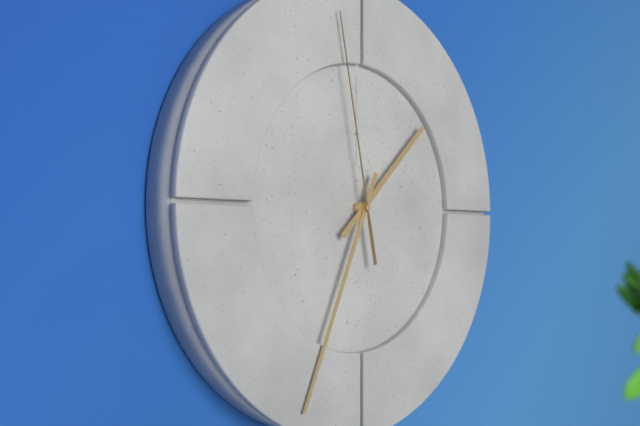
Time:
{"hour": 1, "minute": 34, "second": 58}
